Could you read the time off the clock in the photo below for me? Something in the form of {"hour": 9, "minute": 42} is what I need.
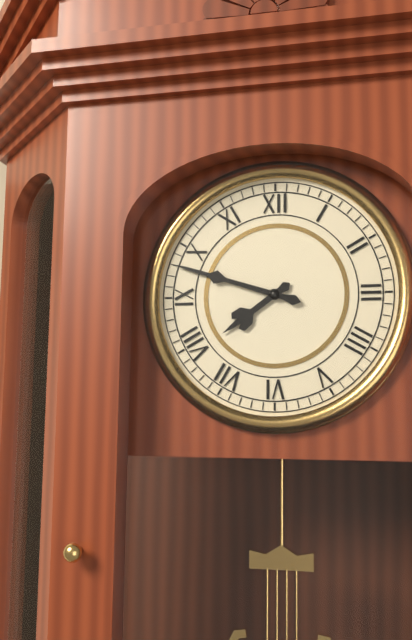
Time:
{"hour": 7, "minute": 48}
